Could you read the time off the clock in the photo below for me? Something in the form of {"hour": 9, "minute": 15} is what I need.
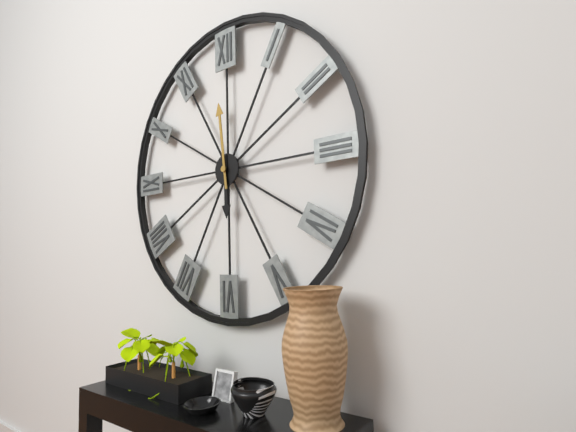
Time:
{"hour": 5, "minute": 59}
